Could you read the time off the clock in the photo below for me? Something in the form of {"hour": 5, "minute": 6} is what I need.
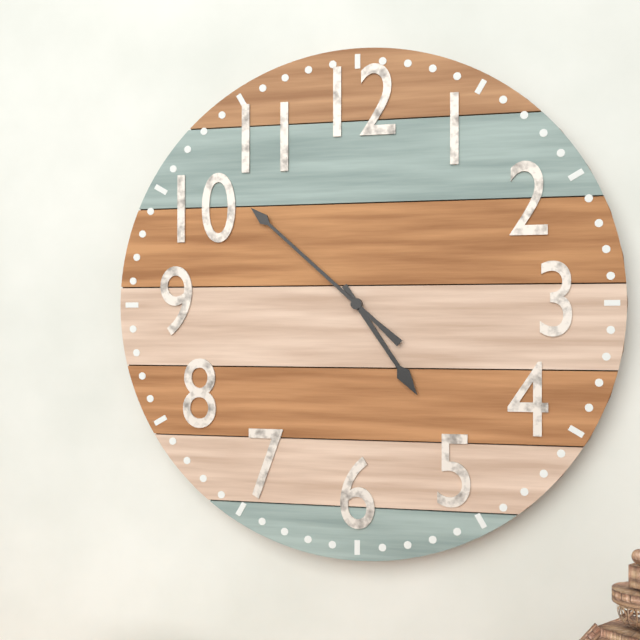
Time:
{"hour": 4, "minute": 52}
